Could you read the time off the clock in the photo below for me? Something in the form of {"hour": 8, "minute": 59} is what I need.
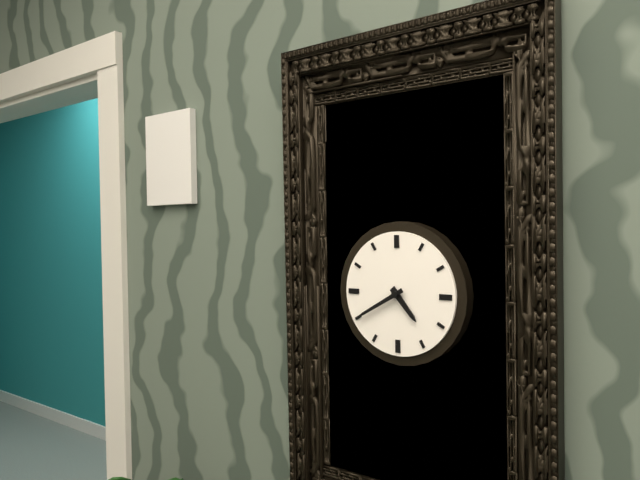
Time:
{"hour": 4, "minute": 40}
